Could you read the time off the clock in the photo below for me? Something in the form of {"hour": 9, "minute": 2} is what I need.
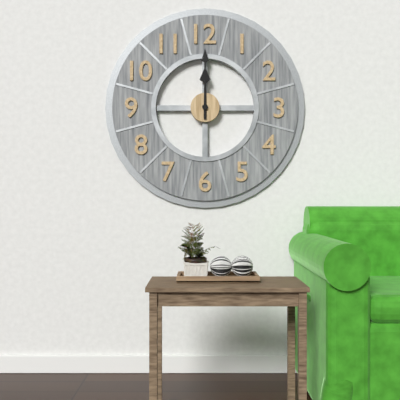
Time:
{"hour": 12, "minute": 0}
